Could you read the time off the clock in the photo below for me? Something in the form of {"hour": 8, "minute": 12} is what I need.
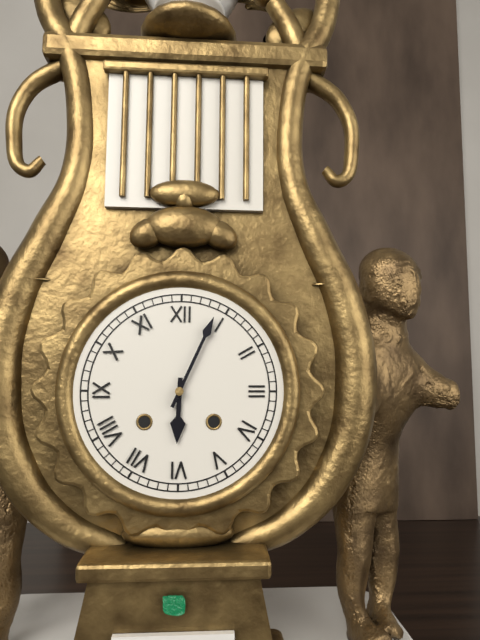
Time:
{"hour": 6, "minute": 4}
